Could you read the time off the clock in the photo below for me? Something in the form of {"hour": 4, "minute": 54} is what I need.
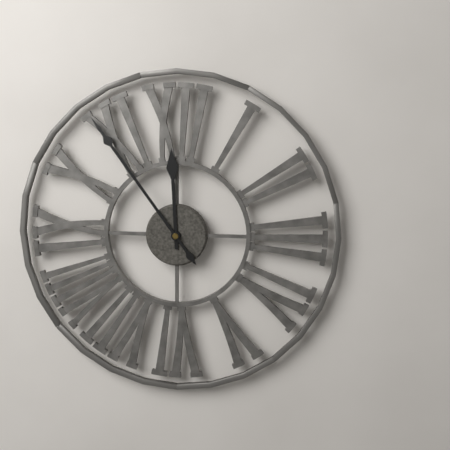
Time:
{"hour": 11, "minute": 54}
